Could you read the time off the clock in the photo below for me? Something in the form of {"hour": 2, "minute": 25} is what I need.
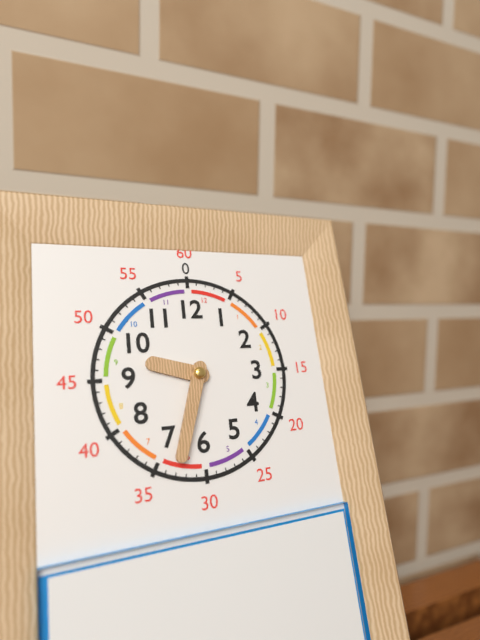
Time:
{"hour": 9, "minute": 33}
